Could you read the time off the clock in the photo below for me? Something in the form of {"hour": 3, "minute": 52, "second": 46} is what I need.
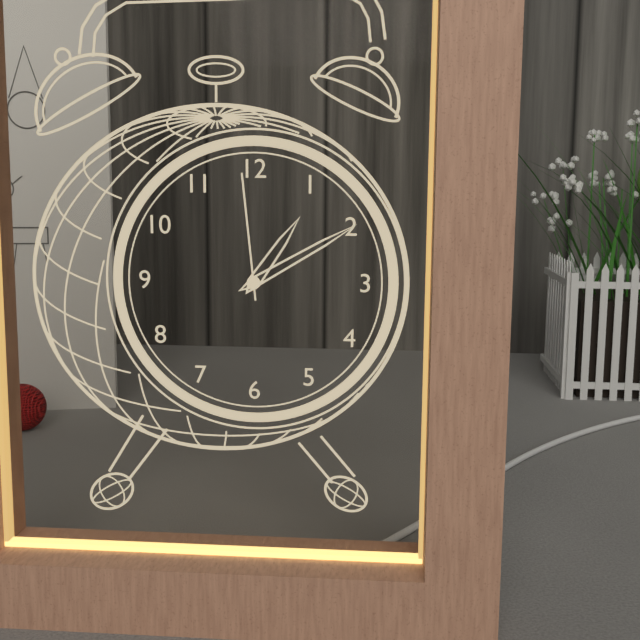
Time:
{"hour": 1, "minute": 10, "second": 59}
